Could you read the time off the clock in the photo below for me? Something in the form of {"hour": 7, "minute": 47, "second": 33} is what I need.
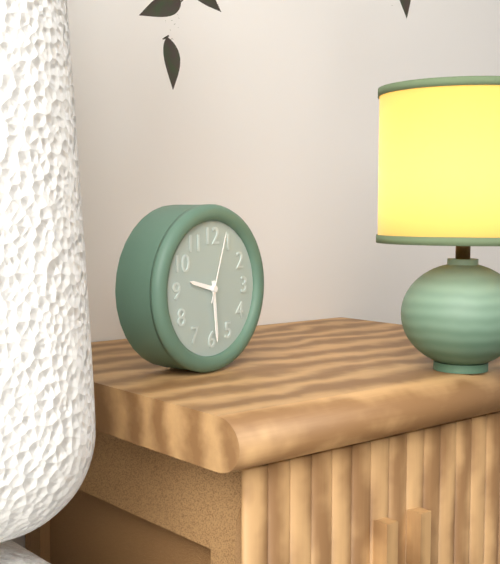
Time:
{"hour": 9, "minute": 29, "second": 3}
